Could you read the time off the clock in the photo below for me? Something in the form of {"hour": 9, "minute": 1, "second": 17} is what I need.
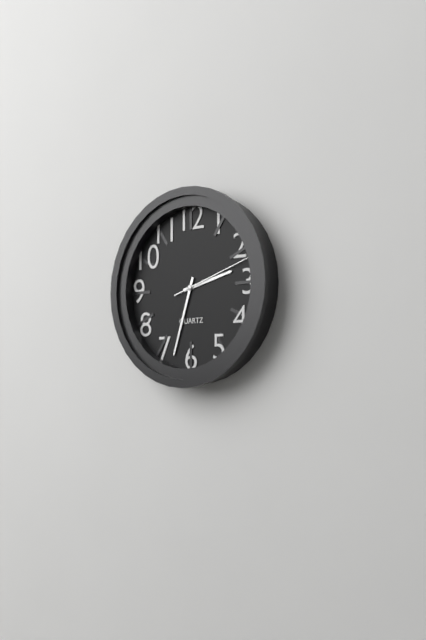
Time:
{"hour": 2, "minute": 33, "second": 12}
